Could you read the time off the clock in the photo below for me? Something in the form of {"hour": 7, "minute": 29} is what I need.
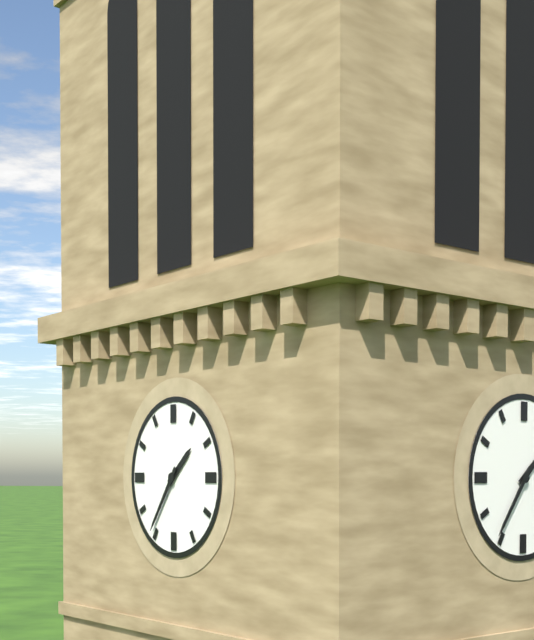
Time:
{"hour": 1, "minute": 36}
